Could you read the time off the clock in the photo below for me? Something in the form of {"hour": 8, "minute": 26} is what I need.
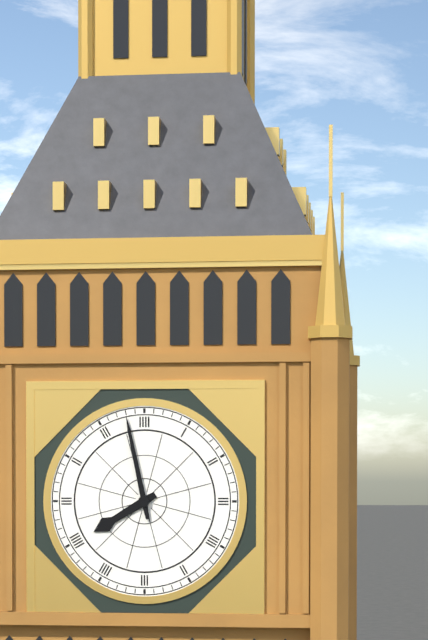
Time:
{"hour": 7, "minute": 58}
